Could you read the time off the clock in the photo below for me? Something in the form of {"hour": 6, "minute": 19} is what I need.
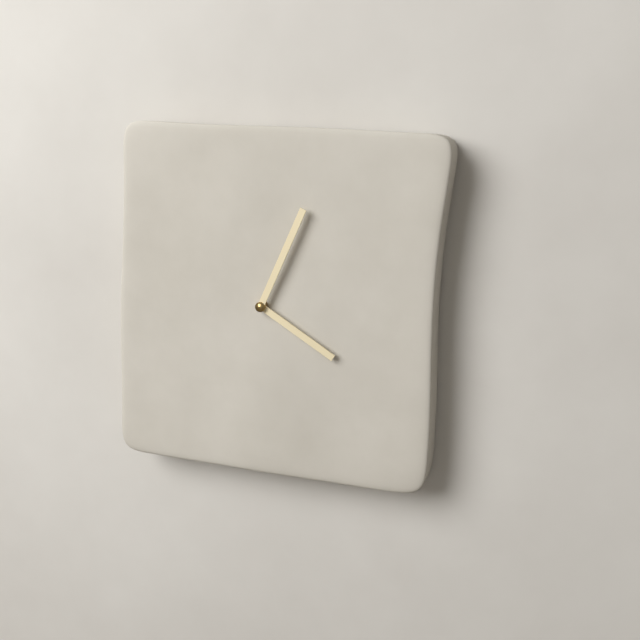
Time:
{"hour": 4, "minute": 4}
